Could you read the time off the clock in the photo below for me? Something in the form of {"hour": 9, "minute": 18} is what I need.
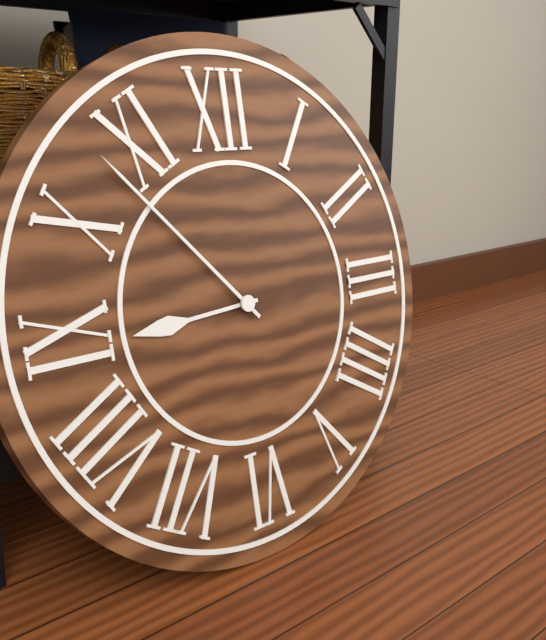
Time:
{"hour": 8, "minute": 53}
